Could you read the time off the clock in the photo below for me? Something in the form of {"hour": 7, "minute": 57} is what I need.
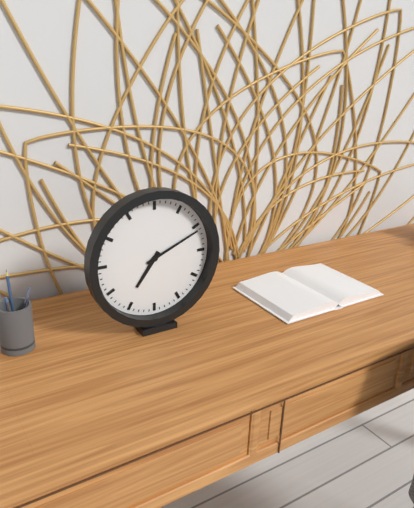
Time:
{"hour": 7, "minute": 11}
